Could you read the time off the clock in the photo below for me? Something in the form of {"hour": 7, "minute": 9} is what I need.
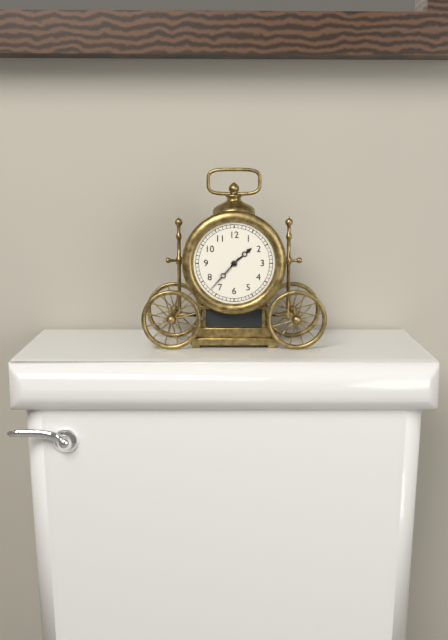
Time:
{"hour": 1, "minute": 37}
